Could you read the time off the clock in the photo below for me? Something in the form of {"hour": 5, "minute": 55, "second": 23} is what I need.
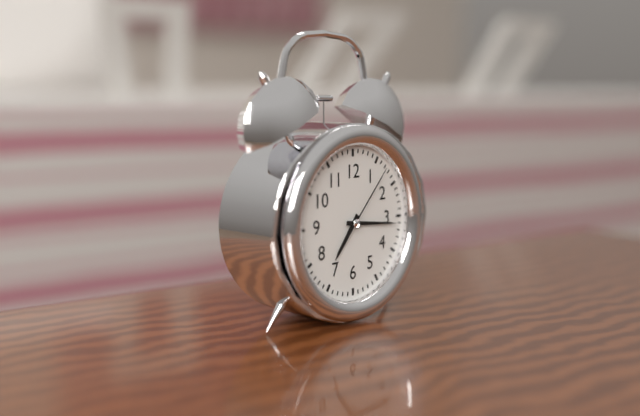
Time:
{"hour": 7, "minute": 16, "second": 7}
